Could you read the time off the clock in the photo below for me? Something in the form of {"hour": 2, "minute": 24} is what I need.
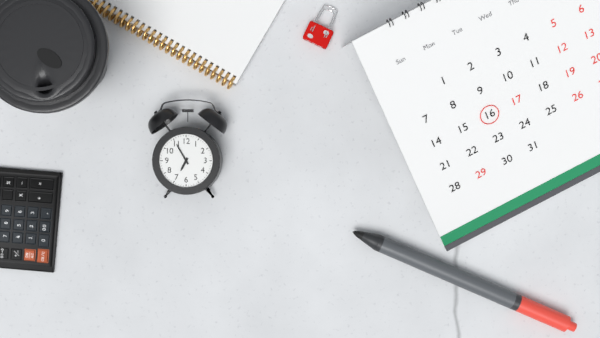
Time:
{"hour": 6, "minute": 55}
